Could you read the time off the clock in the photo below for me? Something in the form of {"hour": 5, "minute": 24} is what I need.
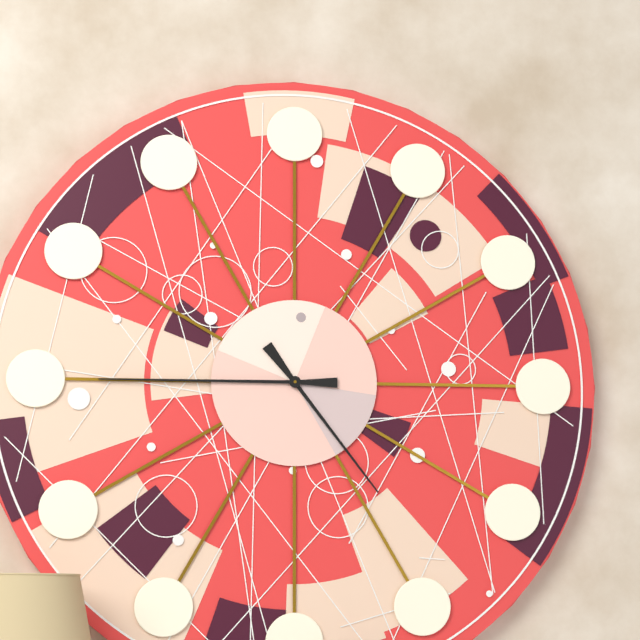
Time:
{"hour": 4, "minute": 45}
